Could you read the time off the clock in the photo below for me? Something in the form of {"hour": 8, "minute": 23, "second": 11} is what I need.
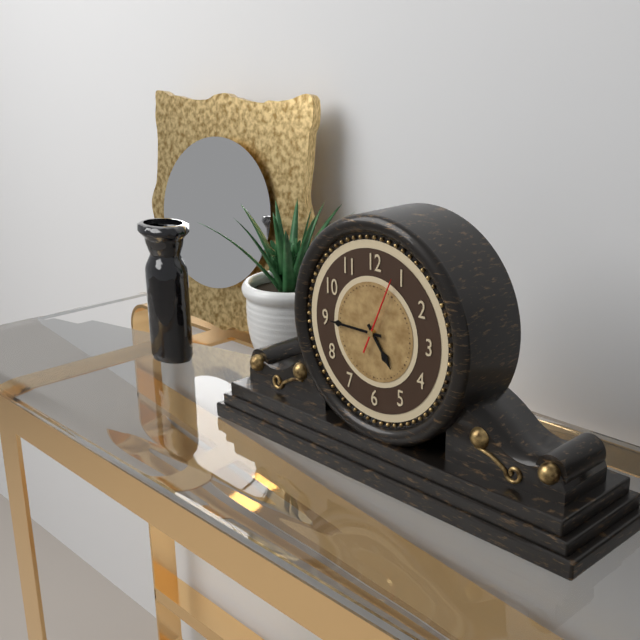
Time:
{"hour": 4, "minute": 45, "second": 4}
